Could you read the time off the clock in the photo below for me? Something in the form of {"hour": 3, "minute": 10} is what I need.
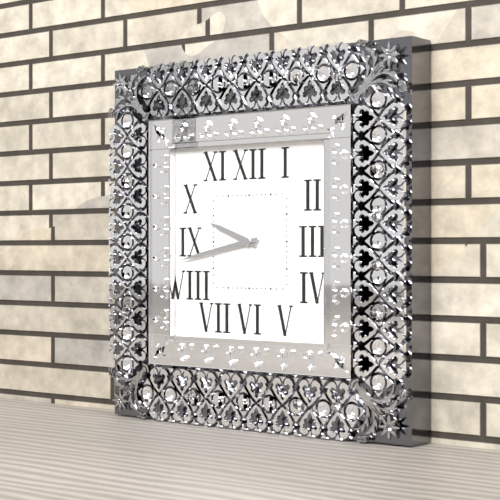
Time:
{"hour": 9, "minute": 43}
